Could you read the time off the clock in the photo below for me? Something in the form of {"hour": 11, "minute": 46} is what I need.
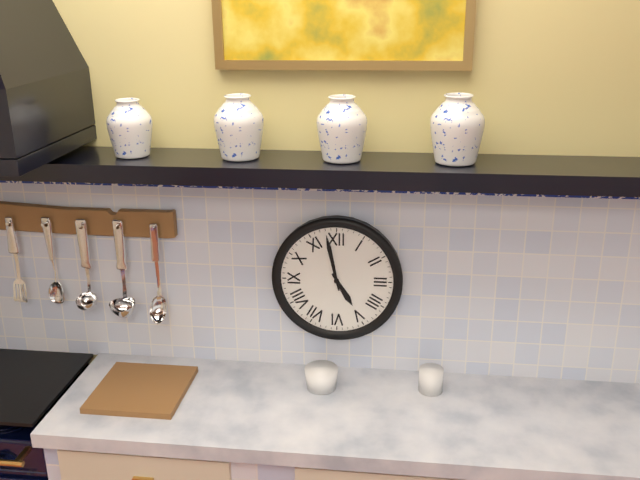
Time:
{"hour": 4, "minute": 58}
